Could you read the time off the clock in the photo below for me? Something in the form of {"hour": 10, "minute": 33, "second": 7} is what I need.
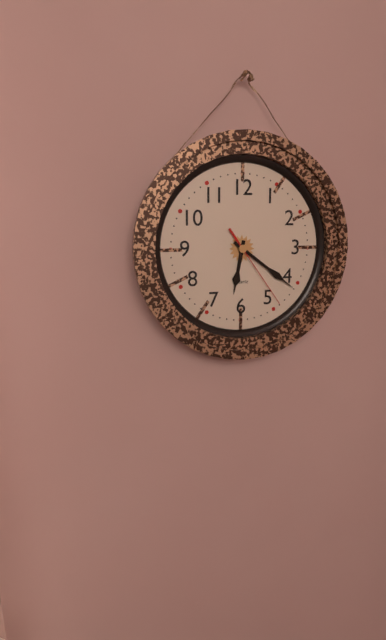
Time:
{"hour": 6, "minute": 21, "second": 24}
